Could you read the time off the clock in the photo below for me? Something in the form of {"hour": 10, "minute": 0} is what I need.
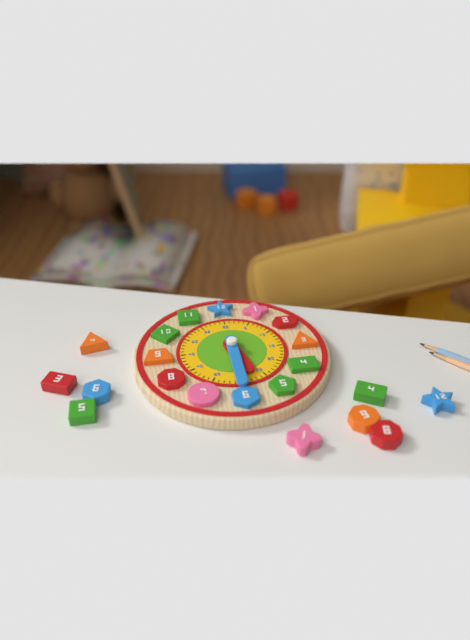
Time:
{"hour": 5, "minute": 30}
